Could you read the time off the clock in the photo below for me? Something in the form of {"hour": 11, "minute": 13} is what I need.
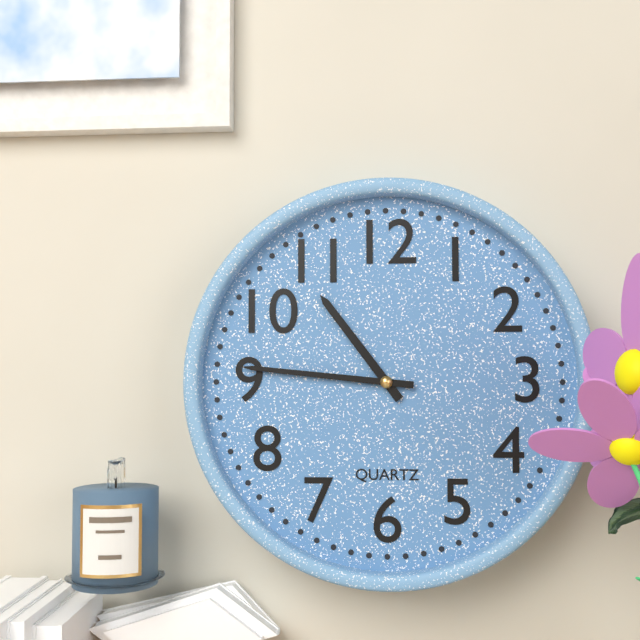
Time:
{"hour": 10, "minute": 46}
